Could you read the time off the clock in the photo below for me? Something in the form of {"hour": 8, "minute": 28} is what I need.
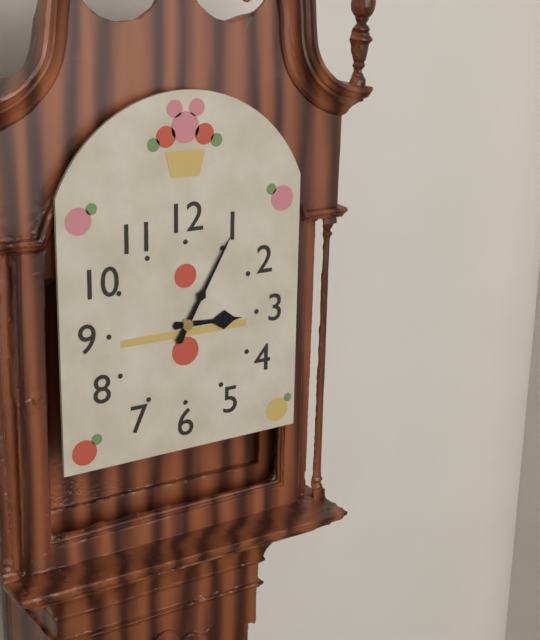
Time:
{"hour": 3, "minute": 5}
